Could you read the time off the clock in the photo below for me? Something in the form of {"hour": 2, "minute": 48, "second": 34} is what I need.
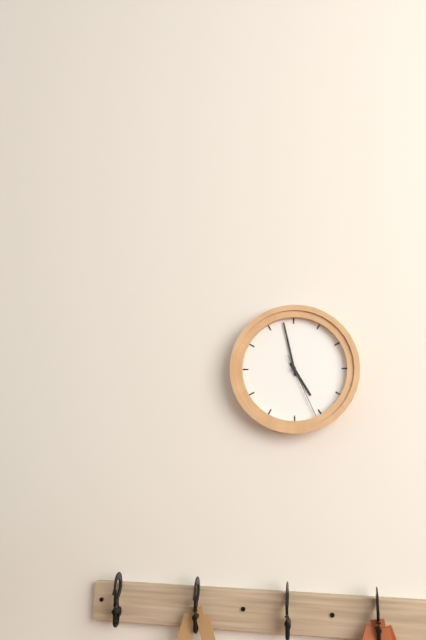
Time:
{"hour": 4, "minute": 58, "second": 26}
